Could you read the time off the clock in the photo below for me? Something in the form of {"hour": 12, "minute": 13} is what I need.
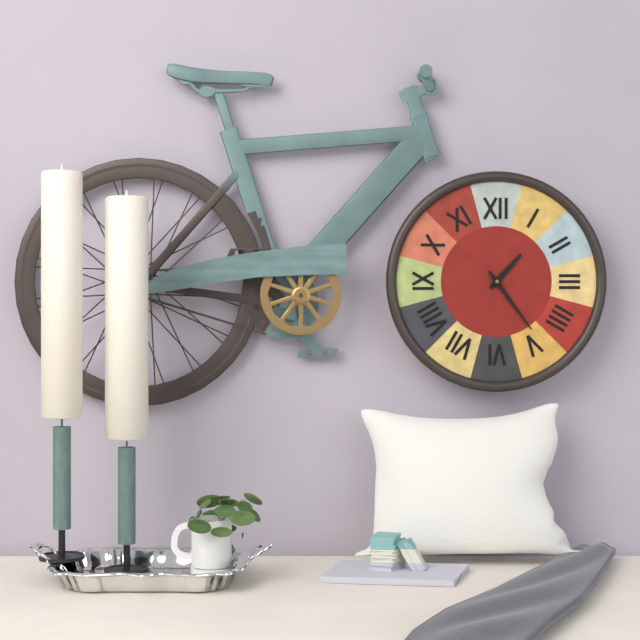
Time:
{"hour": 1, "minute": 24}
